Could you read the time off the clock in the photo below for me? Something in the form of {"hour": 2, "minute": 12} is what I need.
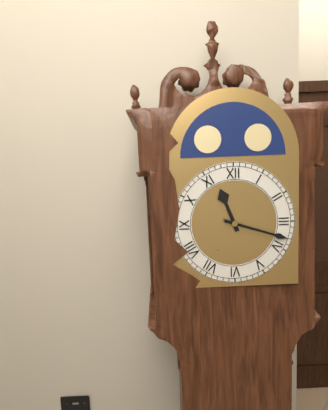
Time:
{"hour": 11, "minute": 18}
